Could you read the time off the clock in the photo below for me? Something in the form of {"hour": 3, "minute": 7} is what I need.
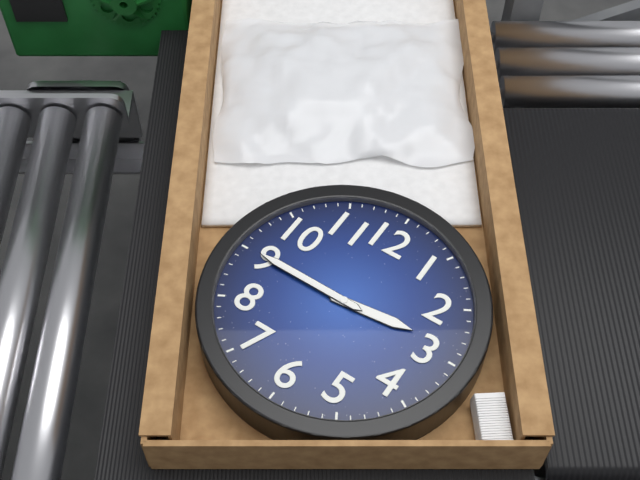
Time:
{"hour": 2, "minute": 45}
